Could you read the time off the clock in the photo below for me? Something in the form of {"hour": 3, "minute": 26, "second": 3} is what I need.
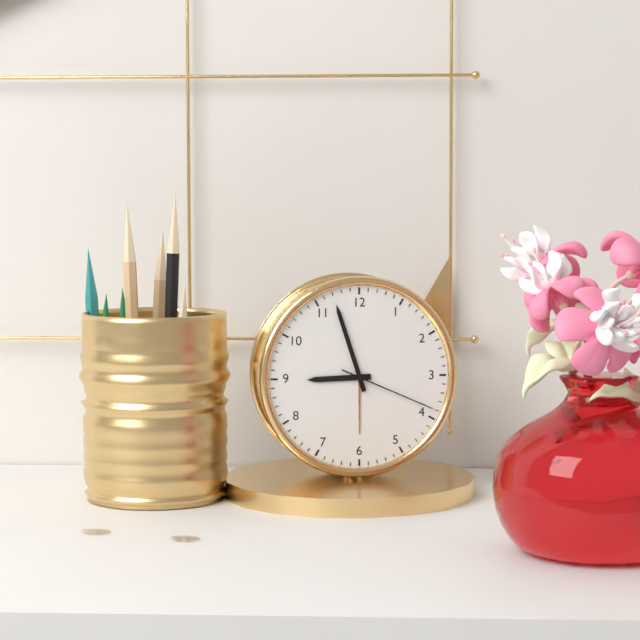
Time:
{"hour": 8, "minute": 57, "second": 19}
